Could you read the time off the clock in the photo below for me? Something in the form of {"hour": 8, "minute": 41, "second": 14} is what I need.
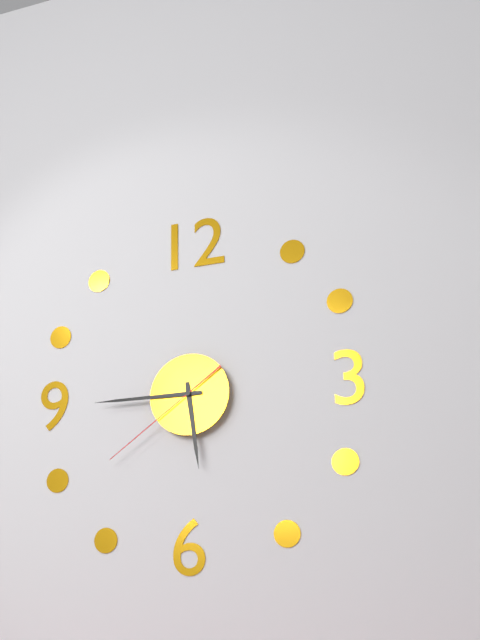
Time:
{"hour": 5, "minute": 45, "second": 39}
